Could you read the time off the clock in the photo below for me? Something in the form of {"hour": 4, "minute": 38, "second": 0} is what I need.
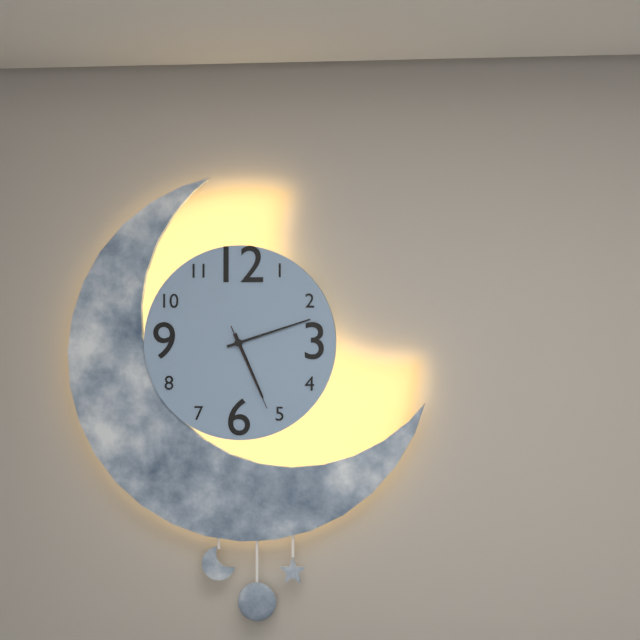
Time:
{"hour": 5, "minute": 12, "second": 26}
